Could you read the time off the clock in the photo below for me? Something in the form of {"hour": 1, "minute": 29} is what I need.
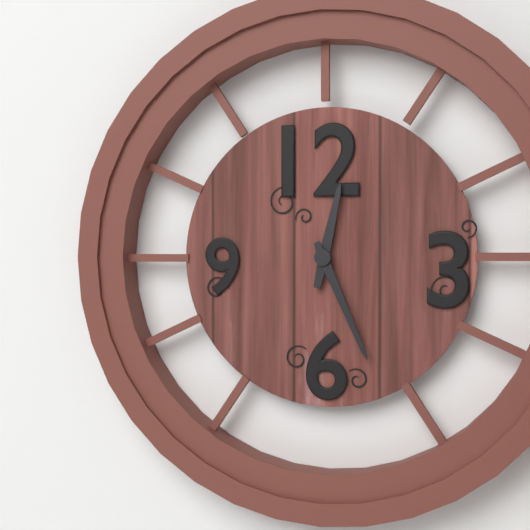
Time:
{"hour": 12, "minute": 26}
